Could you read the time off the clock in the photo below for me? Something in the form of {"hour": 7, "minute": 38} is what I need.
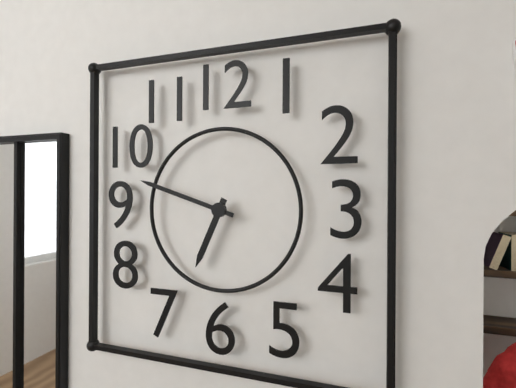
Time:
{"hour": 6, "minute": 48}
